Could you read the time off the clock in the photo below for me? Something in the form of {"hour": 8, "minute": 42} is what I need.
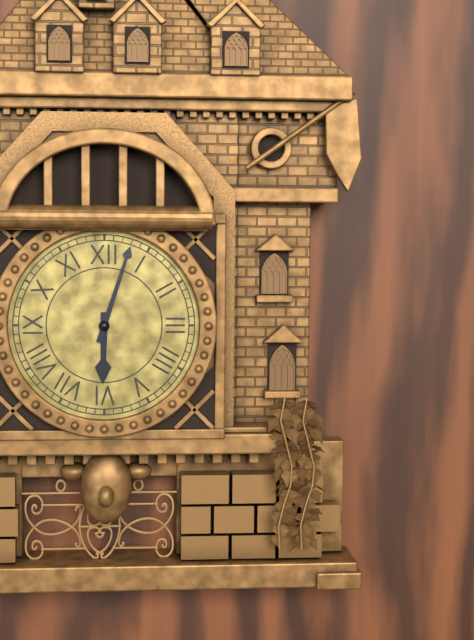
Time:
{"hour": 6, "minute": 3}
